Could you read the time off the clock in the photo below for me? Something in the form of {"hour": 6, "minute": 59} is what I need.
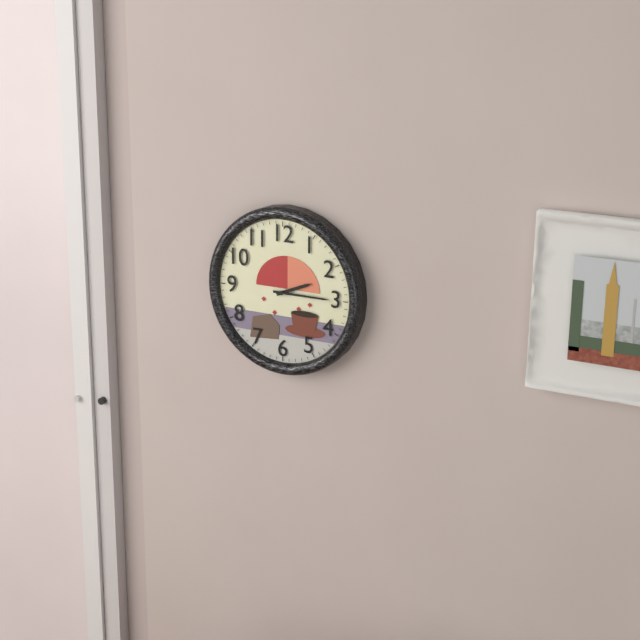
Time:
{"hour": 2, "minute": 15}
